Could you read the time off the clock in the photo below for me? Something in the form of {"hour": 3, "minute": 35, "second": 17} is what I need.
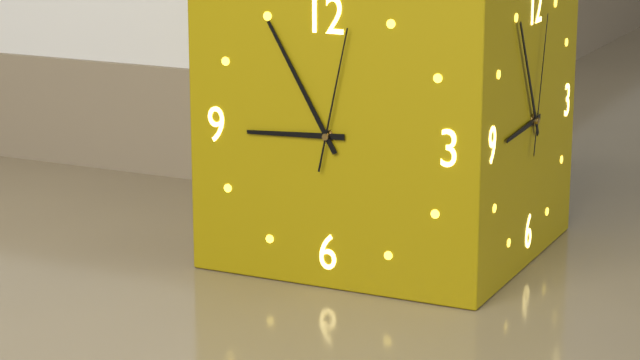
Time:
{"hour": 8, "minute": 55, "second": 2}
